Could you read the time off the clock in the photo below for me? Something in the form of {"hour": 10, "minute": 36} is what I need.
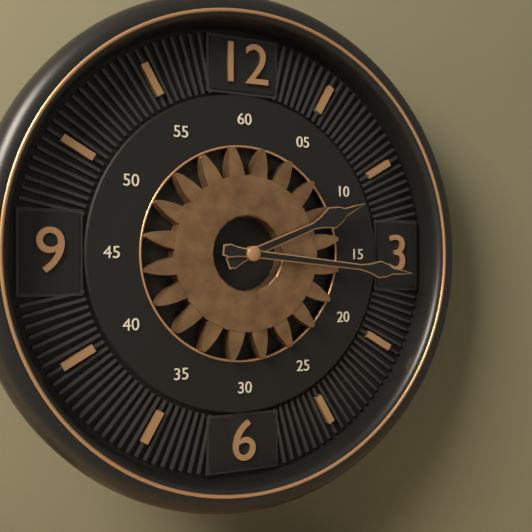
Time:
{"hour": 2, "minute": 16}
